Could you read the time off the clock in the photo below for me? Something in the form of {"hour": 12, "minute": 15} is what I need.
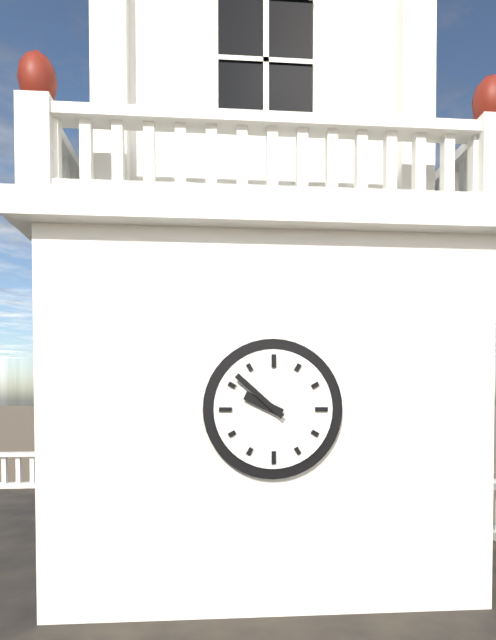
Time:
{"hour": 9, "minute": 52}
